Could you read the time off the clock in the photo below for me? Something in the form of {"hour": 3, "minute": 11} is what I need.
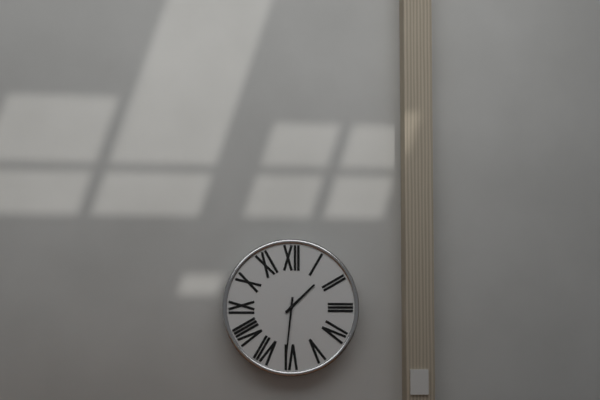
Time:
{"hour": 1, "minute": 31}
